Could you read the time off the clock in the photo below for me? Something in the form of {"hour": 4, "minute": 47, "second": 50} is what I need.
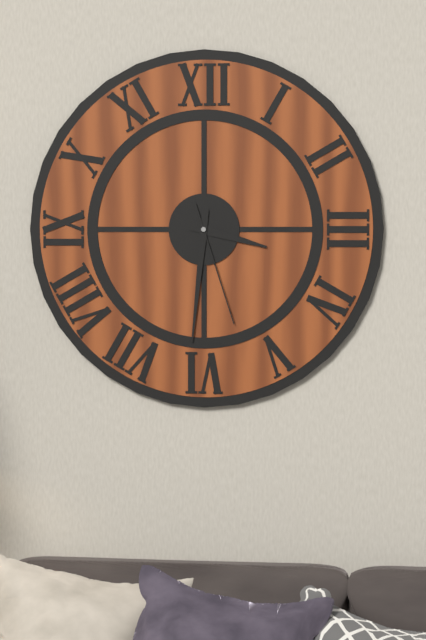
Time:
{"hour": 3, "minute": 31, "second": 27}
